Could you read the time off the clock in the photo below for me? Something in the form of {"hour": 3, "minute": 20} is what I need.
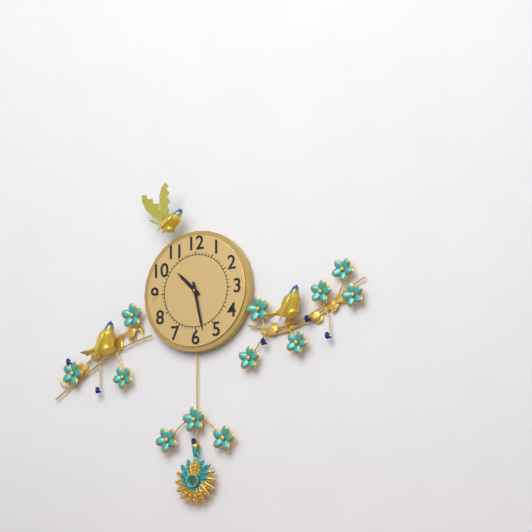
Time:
{"hour": 10, "minute": 28}
